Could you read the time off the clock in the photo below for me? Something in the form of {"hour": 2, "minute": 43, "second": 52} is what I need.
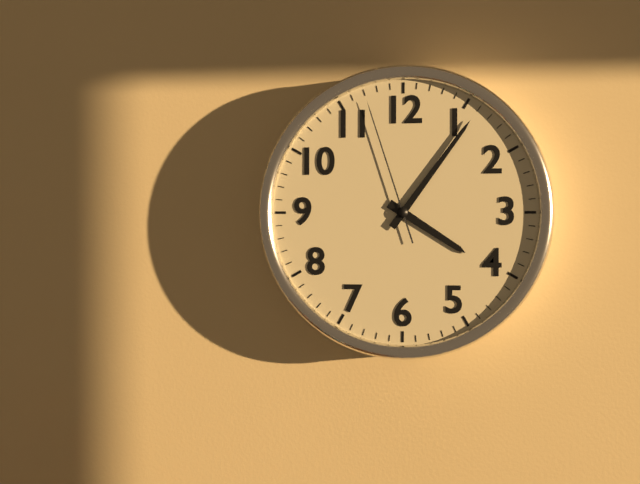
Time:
{"hour": 4, "minute": 6, "second": 57}
